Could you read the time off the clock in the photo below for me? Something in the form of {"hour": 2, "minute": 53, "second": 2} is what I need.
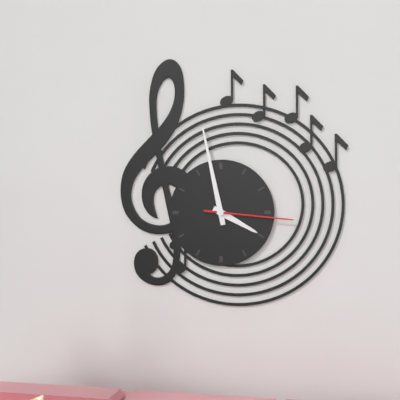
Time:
{"hour": 3, "minute": 58, "second": 16}
